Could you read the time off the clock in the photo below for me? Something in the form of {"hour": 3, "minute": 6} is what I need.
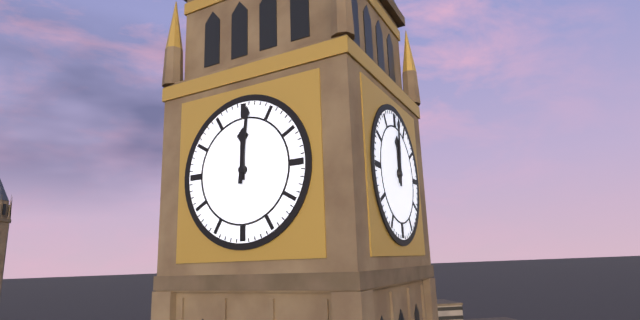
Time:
{"hour": 12, "minute": 1}
